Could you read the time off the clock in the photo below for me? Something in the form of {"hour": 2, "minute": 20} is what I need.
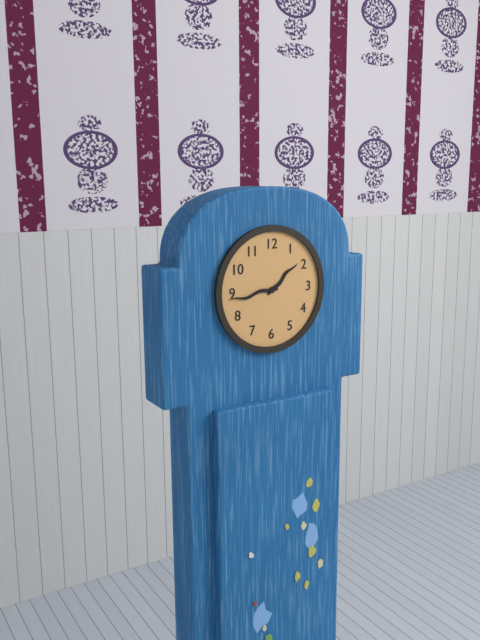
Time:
{"hour": 1, "minute": 44}
